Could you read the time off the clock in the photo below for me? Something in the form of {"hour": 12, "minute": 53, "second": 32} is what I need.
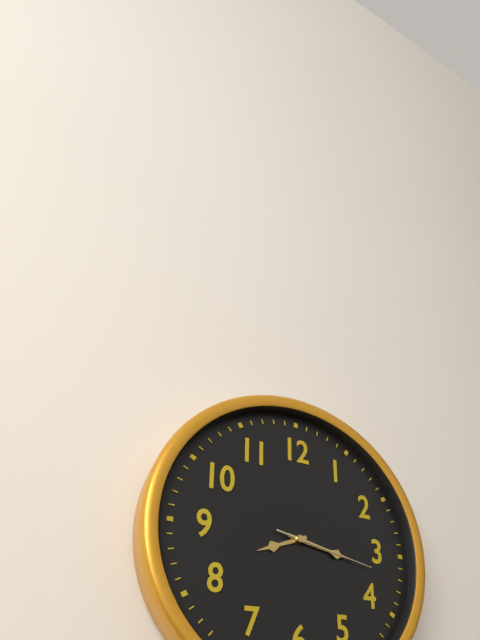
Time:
{"hour": 8, "minute": 17, "second": 17}
